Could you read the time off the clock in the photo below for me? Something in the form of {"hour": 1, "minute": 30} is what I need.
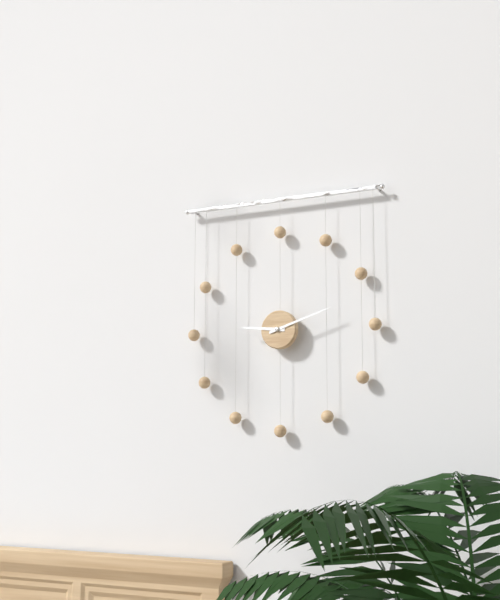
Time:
{"hour": 9, "minute": 12}
